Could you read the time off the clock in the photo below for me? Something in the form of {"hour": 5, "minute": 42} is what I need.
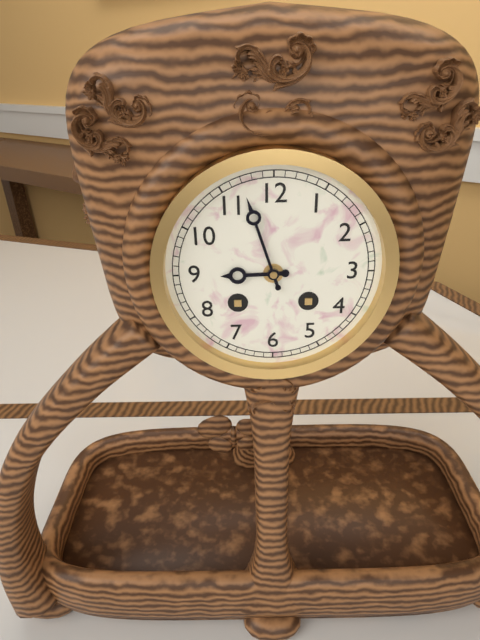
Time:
{"hour": 8, "minute": 57}
